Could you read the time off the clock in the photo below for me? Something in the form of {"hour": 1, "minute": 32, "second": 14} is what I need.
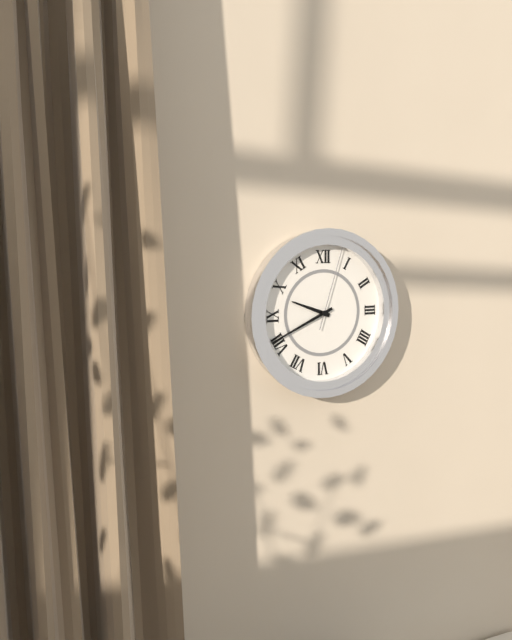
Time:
{"hour": 9, "minute": 41, "second": 3}
